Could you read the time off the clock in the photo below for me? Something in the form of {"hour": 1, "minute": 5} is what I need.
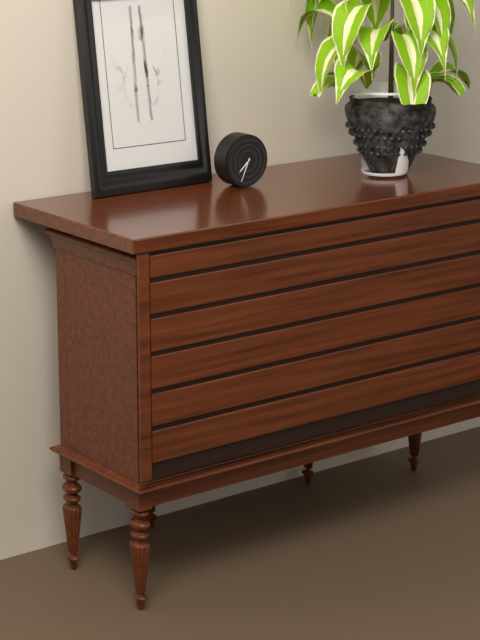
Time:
{"hour": 7, "minute": 34}
